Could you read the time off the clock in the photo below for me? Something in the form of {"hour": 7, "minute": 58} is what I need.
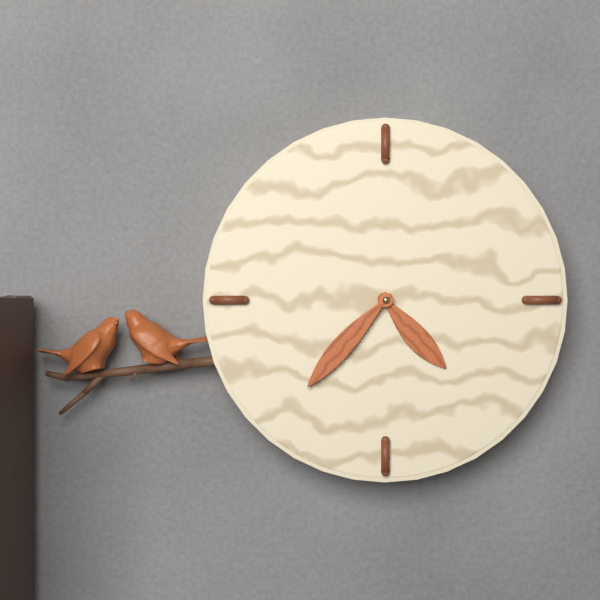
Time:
{"hour": 4, "minute": 37}
